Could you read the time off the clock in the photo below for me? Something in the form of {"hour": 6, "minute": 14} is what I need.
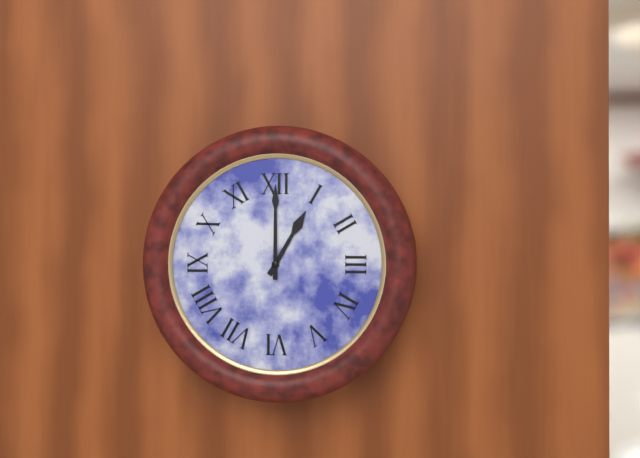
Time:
{"hour": 1, "minute": 0}
